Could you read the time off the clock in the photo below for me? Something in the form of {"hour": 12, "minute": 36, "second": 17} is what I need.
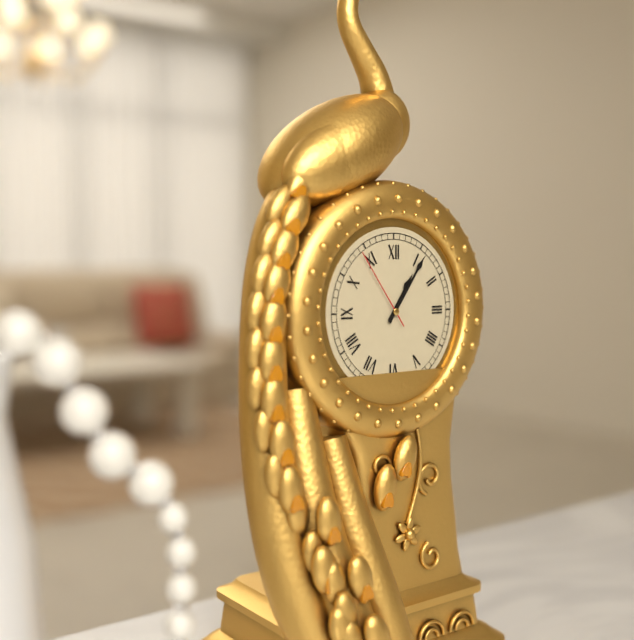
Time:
{"hour": 1, "minute": 6, "second": 54}
